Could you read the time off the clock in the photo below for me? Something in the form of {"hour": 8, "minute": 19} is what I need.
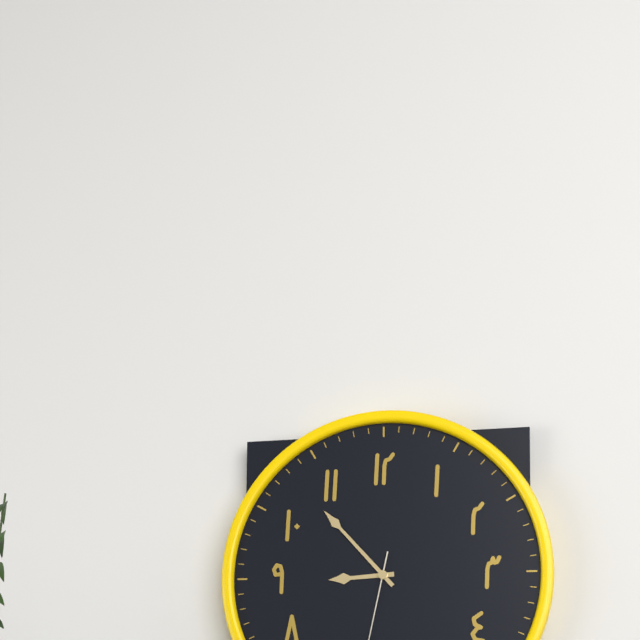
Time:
{"hour": 8, "minute": 53}
